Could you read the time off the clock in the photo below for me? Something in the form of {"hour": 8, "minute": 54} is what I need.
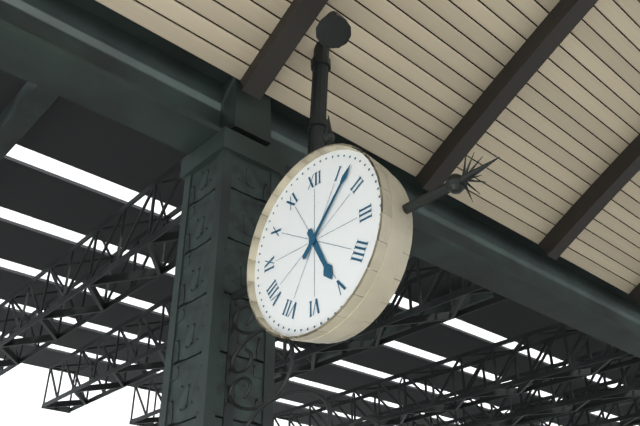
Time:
{"hour": 5, "minute": 7}
